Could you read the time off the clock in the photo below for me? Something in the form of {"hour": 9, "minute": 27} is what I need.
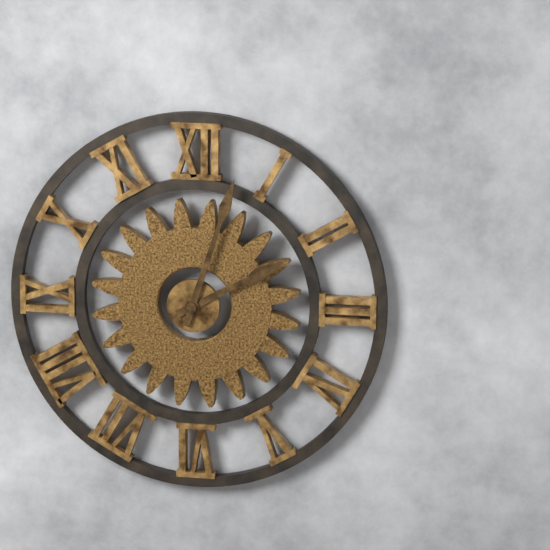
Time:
{"hour": 2, "minute": 3}
